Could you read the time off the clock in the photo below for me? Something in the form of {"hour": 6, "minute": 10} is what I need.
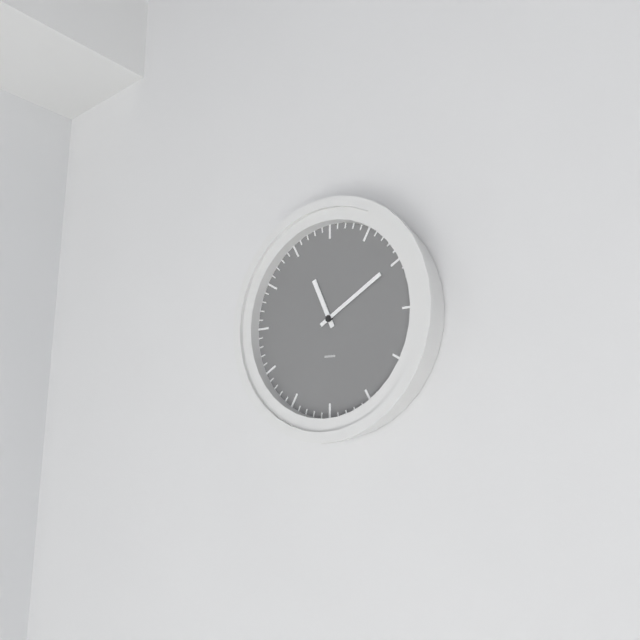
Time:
{"hour": 11, "minute": 10}
